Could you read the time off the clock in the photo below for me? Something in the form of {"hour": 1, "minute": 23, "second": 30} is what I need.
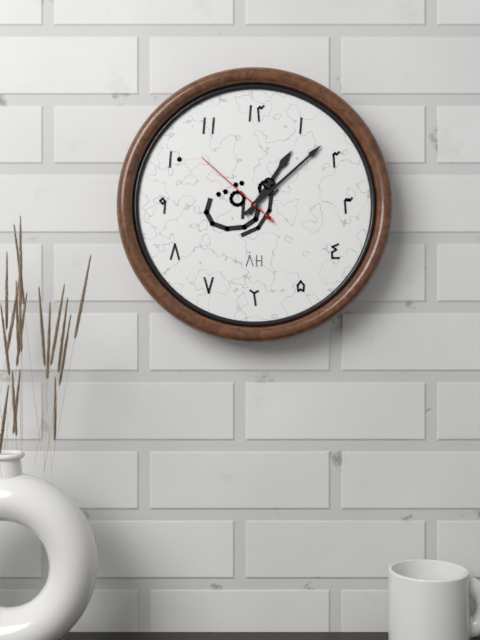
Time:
{"hour": 1, "minute": 8, "second": 52}
